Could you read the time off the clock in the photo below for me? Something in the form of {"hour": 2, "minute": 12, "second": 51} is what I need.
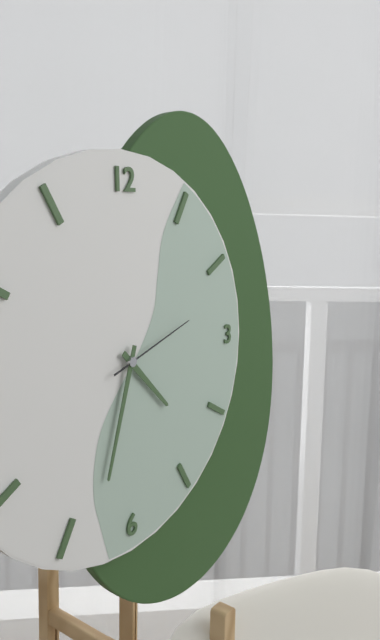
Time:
{"hour": 4, "minute": 33, "second": 12}
